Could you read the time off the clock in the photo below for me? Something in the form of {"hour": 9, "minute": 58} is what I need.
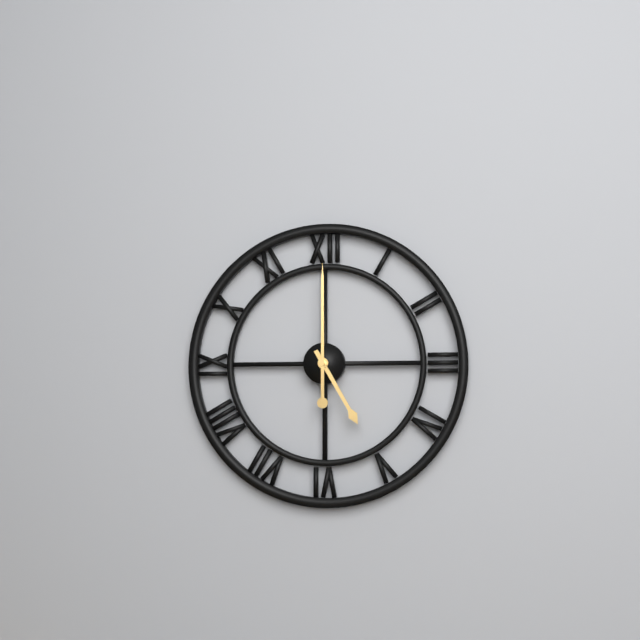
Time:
{"hour": 5, "minute": 0}
